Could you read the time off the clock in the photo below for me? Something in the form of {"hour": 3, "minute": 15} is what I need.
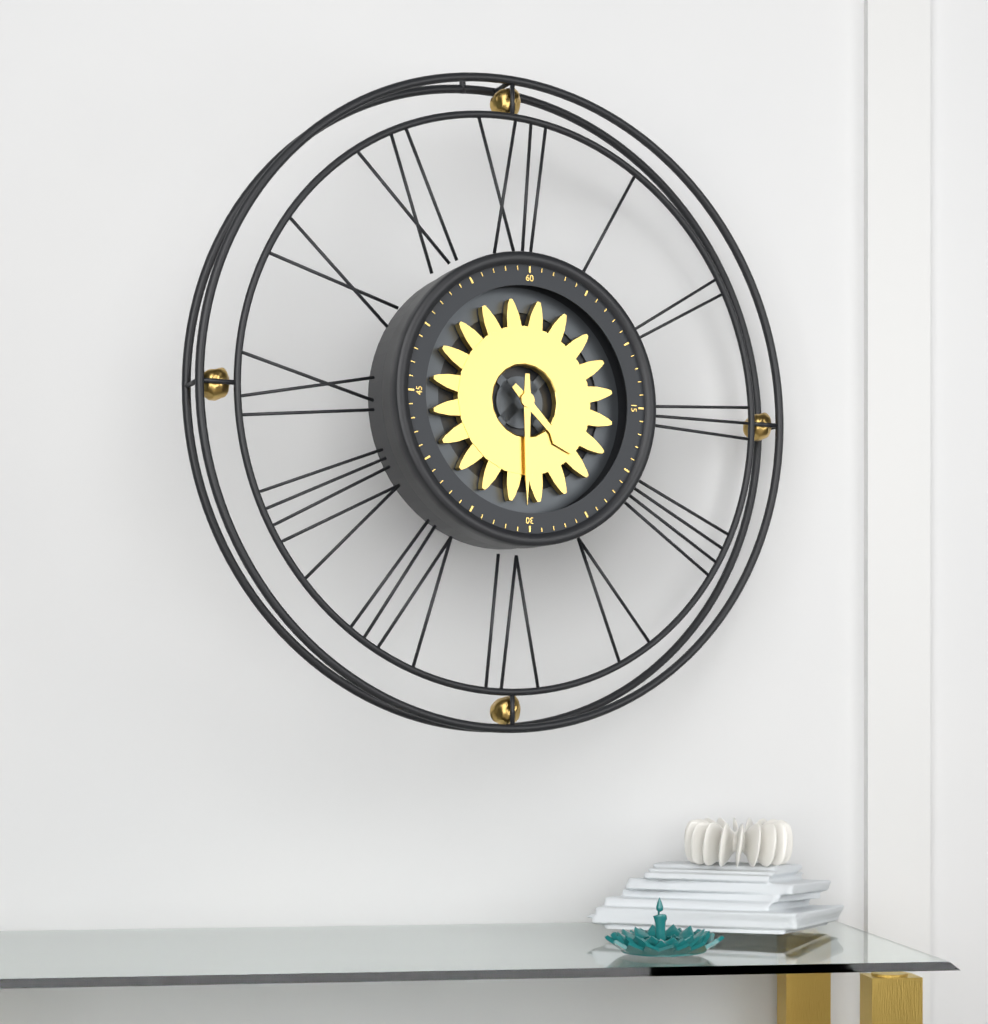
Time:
{"hour": 4, "minute": 30}
